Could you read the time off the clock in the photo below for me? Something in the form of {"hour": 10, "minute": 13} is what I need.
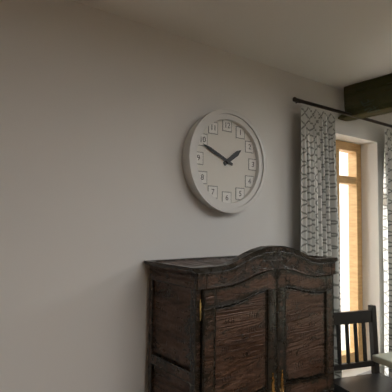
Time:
{"hour": 1, "minute": 49}
